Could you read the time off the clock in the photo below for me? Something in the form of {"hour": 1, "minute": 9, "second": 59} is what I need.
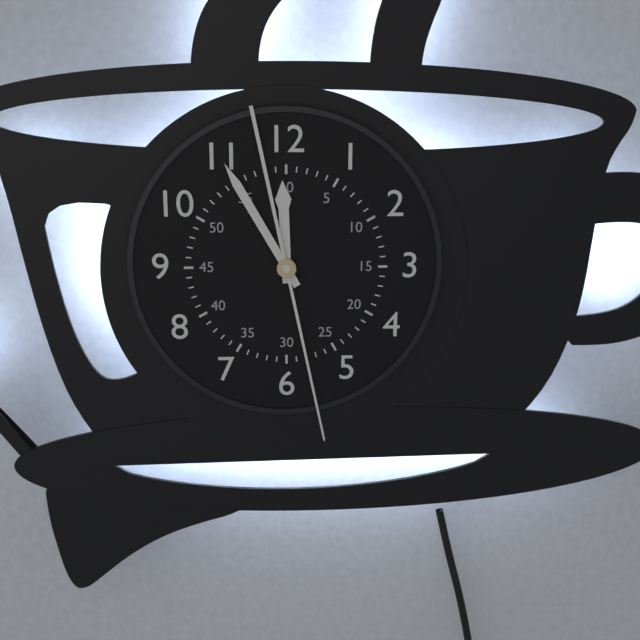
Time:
{"hour": 11, "minute": 55, "second": 28}
